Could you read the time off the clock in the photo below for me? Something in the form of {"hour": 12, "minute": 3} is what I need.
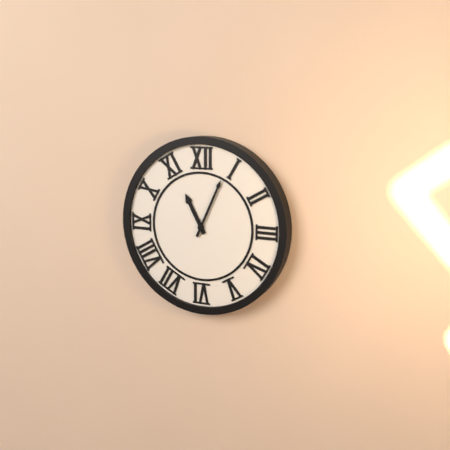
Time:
{"hour": 11, "minute": 4}
